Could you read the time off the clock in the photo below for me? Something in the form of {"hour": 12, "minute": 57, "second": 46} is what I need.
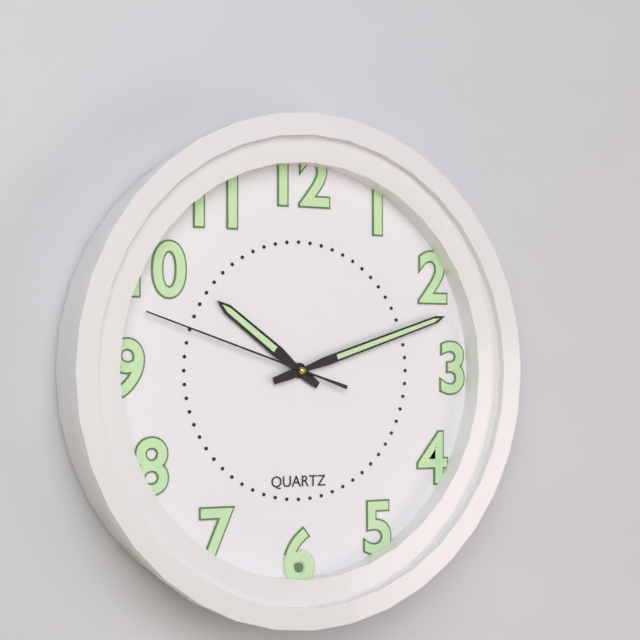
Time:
{"hour": 10, "minute": 12, "second": 48}
